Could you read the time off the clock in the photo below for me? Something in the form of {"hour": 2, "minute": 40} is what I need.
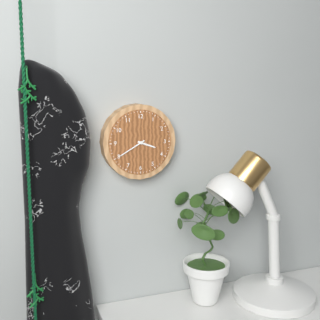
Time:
{"hour": 3, "minute": 40}
